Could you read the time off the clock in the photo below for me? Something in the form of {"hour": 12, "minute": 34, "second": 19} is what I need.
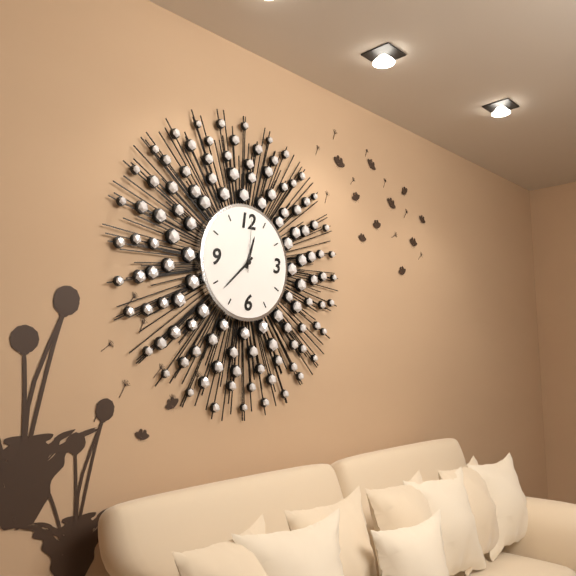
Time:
{"hour": 12, "minute": 38, "second": 1}
